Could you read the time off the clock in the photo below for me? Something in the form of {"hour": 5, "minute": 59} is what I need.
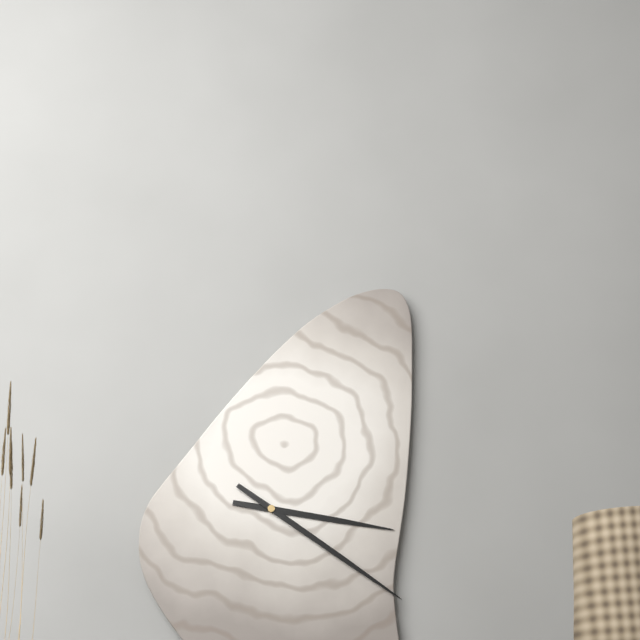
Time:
{"hour": 3, "minute": 21}
